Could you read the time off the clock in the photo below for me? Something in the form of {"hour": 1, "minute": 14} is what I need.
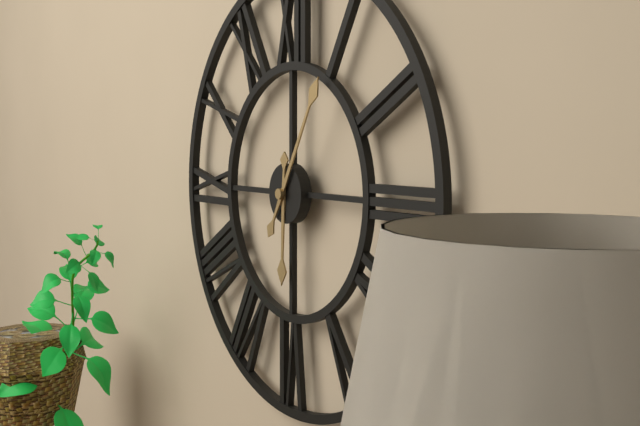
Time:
{"hour": 6, "minute": 5}
